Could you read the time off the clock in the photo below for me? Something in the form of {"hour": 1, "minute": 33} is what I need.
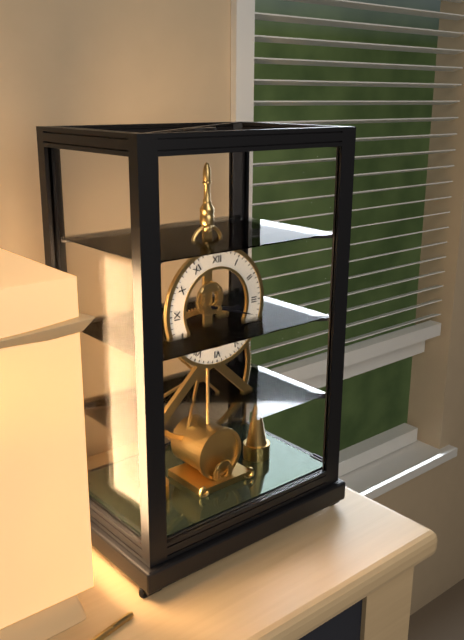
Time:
{"hour": 3, "minute": 18}
